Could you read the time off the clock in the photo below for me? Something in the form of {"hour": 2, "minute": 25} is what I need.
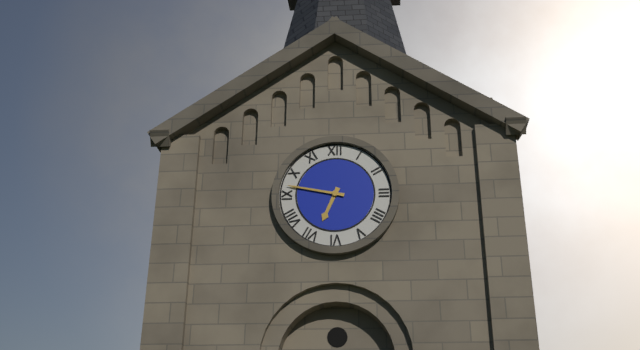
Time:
{"hour": 6, "minute": 47}
